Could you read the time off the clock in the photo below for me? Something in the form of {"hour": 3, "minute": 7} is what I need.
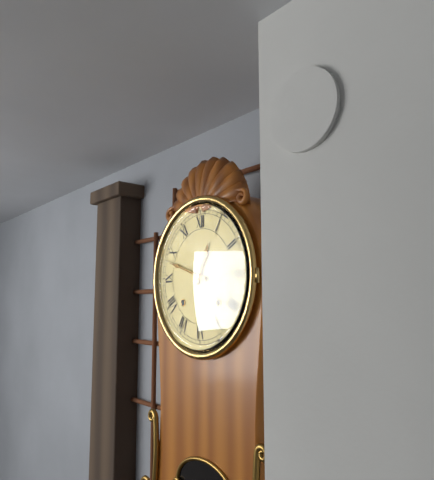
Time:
{"hour": 12, "minute": 48}
